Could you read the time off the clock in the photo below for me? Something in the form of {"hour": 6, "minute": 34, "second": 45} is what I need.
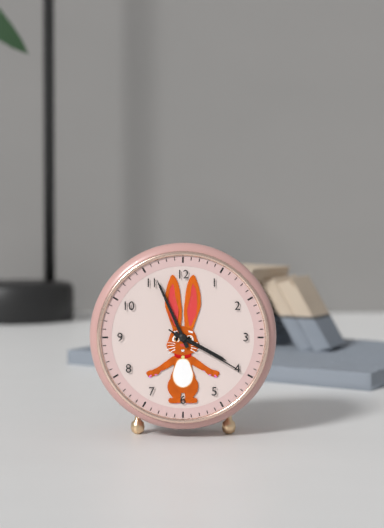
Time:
{"hour": 3, "minute": 56, "second": 20}
